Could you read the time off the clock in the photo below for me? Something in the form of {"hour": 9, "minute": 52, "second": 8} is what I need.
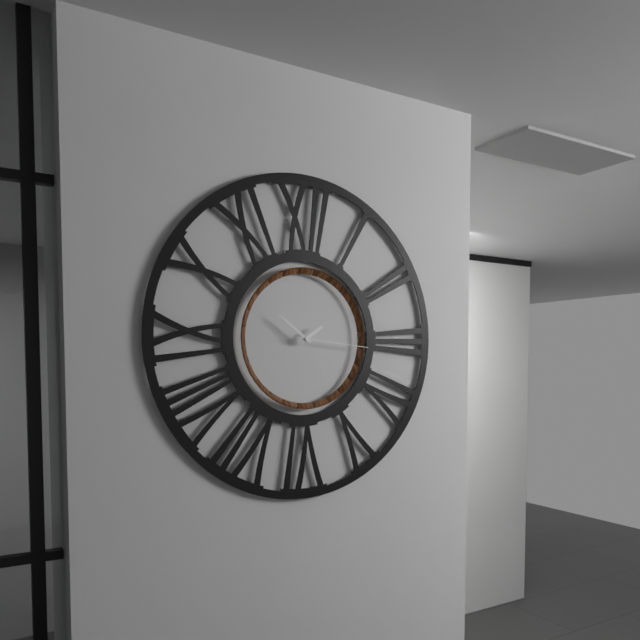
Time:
{"hour": 1, "minute": 51, "second": 16}
